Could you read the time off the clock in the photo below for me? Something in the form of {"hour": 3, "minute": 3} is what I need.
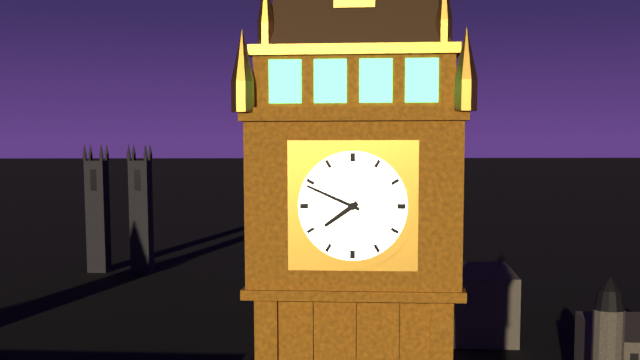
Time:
{"hour": 7, "minute": 49}
